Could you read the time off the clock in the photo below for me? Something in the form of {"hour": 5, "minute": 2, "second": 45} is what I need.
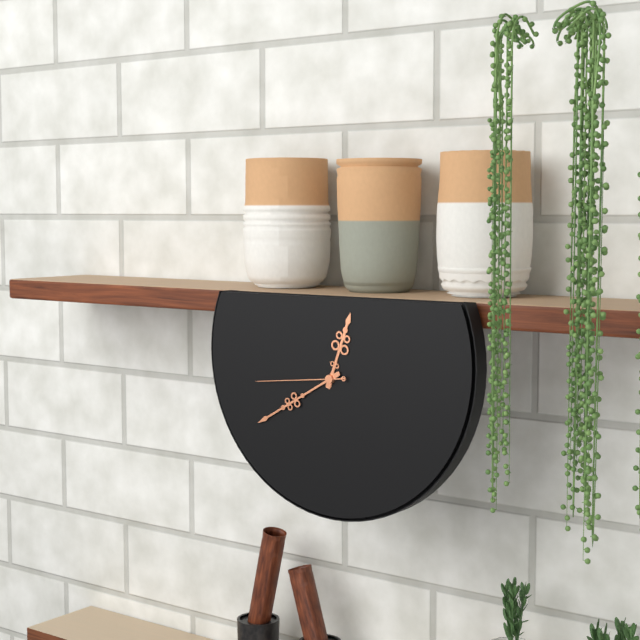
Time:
{"hour": 12, "minute": 40, "second": 44}
